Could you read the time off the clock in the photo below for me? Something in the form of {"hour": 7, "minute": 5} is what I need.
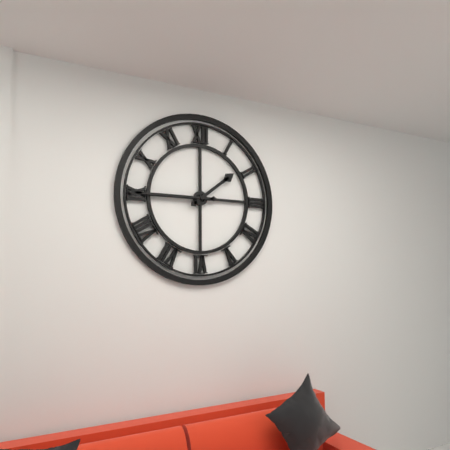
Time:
{"hour": 1, "minute": 45}
